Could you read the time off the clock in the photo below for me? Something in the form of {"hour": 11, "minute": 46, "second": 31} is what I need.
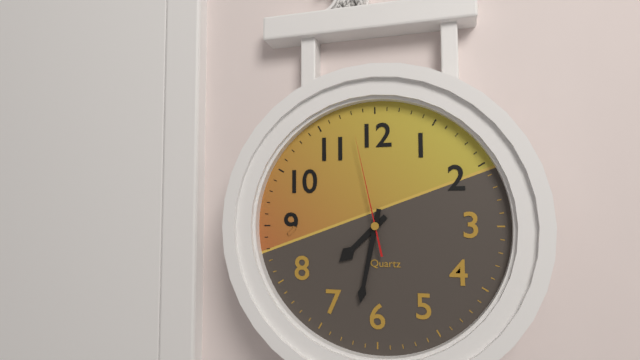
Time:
{"hour": 7, "minute": 32, "second": 58}
